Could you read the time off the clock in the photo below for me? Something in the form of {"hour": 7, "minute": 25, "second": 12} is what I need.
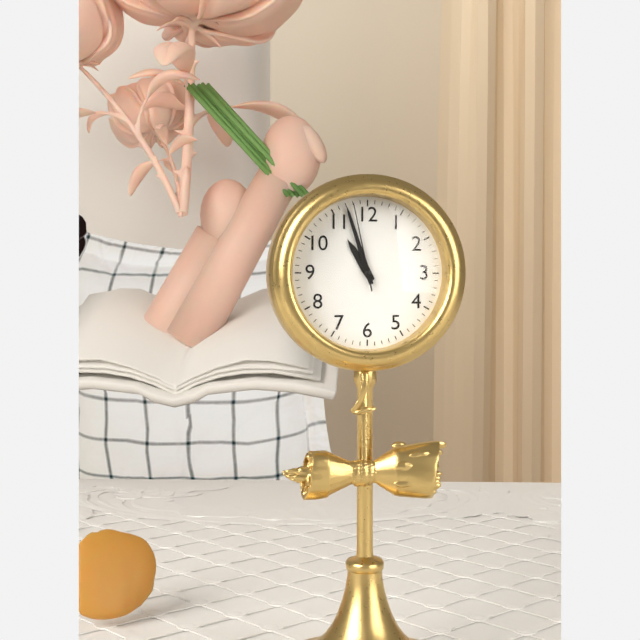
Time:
{"hour": 10, "minute": 57, "second": 58}
